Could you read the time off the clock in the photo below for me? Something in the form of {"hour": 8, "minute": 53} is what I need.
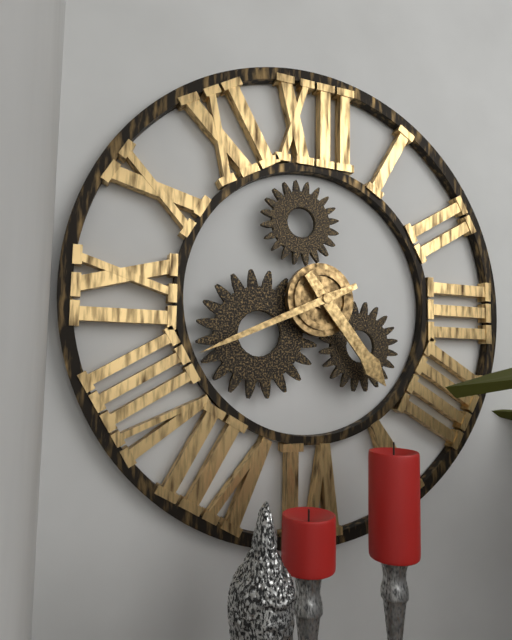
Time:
{"hour": 4, "minute": 41}
